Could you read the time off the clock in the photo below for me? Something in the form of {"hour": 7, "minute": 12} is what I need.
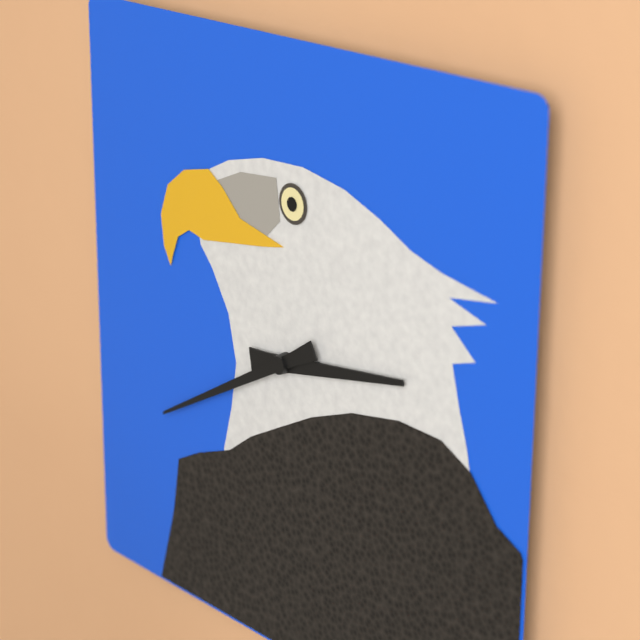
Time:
{"hour": 2, "minute": 40}
